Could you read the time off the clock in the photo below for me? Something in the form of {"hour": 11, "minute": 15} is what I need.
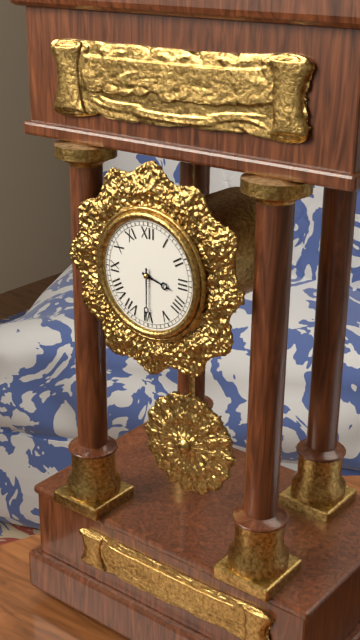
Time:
{"hour": 3, "minute": 30}
